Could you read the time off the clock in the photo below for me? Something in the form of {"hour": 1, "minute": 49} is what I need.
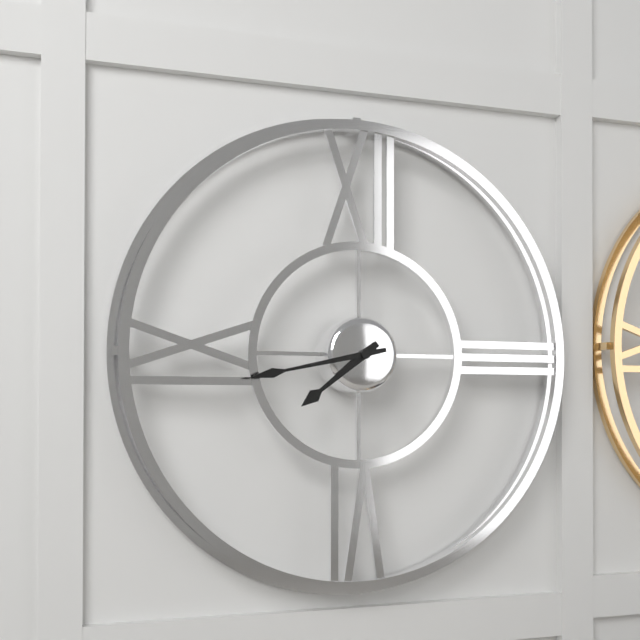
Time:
{"hour": 7, "minute": 43}
